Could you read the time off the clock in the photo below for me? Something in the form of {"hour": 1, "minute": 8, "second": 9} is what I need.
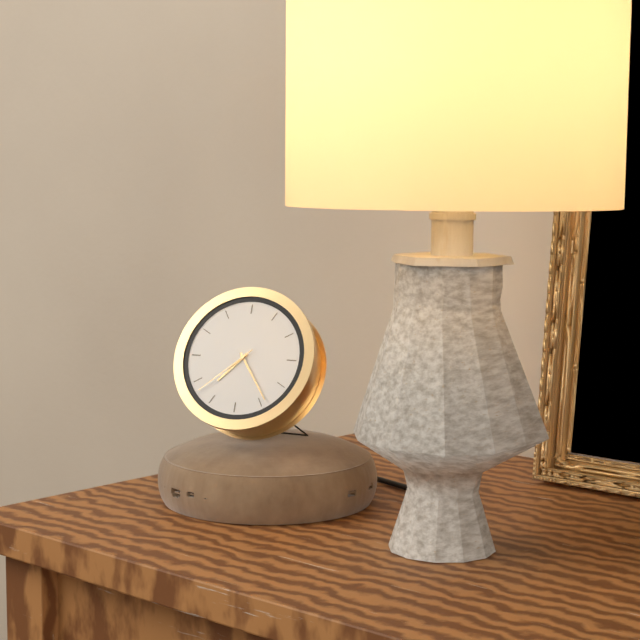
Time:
{"hour": 7, "minute": 24, "second": 38}
